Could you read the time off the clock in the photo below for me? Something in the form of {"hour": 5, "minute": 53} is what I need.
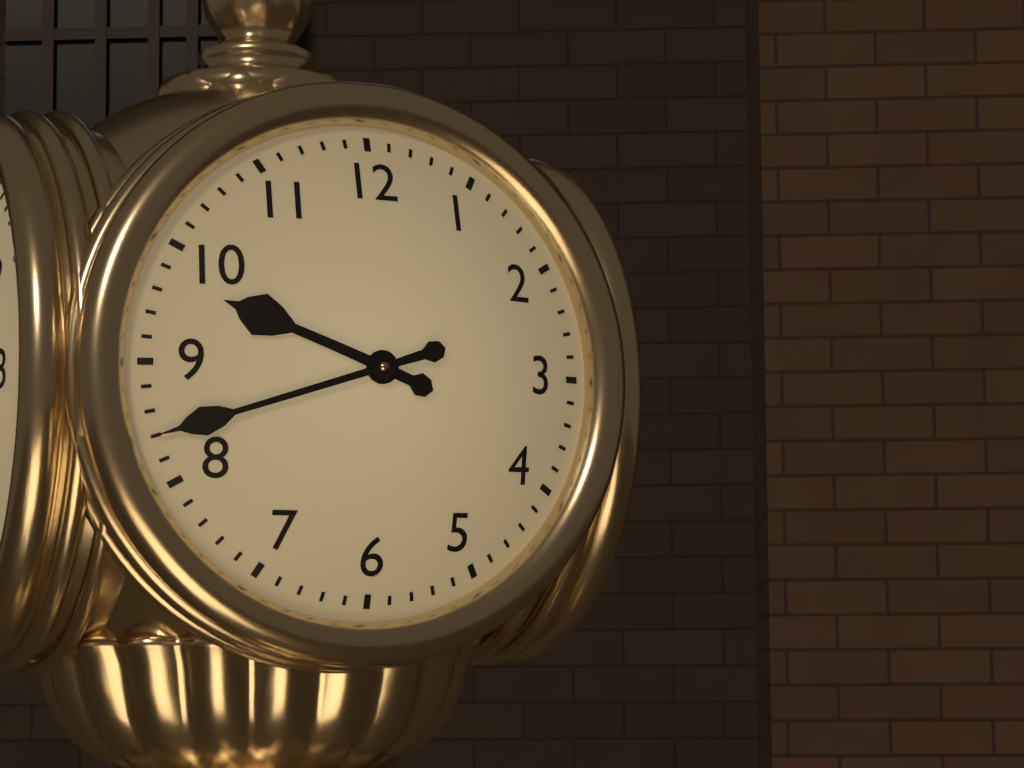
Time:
{"hour": 9, "minute": 42}
